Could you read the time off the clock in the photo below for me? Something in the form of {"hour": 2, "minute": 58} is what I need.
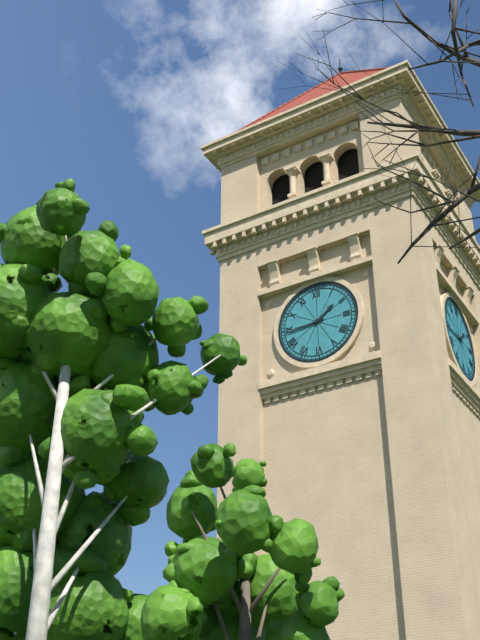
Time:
{"hour": 1, "minute": 44}
